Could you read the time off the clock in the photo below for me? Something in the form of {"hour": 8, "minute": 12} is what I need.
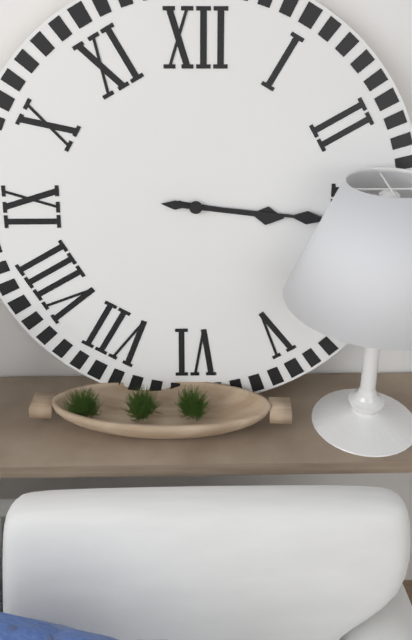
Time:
{"hour": 3, "minute": 16}
